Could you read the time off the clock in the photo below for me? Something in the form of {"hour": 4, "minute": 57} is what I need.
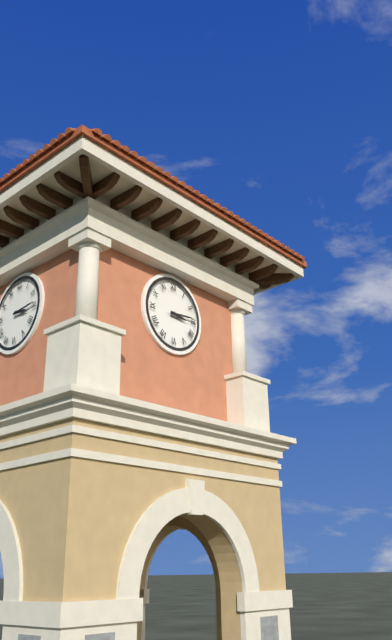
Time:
{"hour": 3, "minute": 14}
